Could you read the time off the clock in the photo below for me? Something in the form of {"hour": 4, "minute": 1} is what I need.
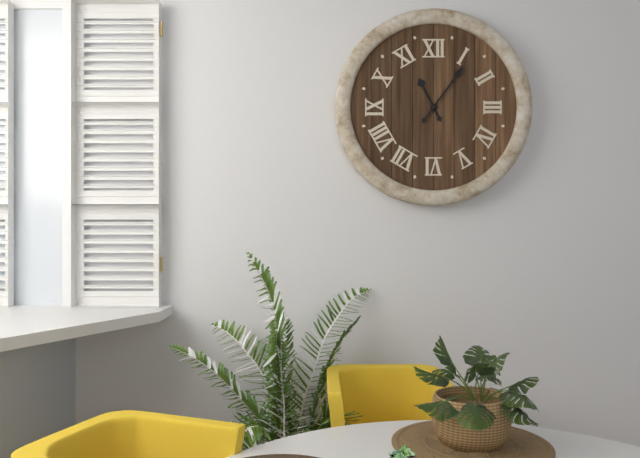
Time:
{"hour": 11, "minute": 6}
